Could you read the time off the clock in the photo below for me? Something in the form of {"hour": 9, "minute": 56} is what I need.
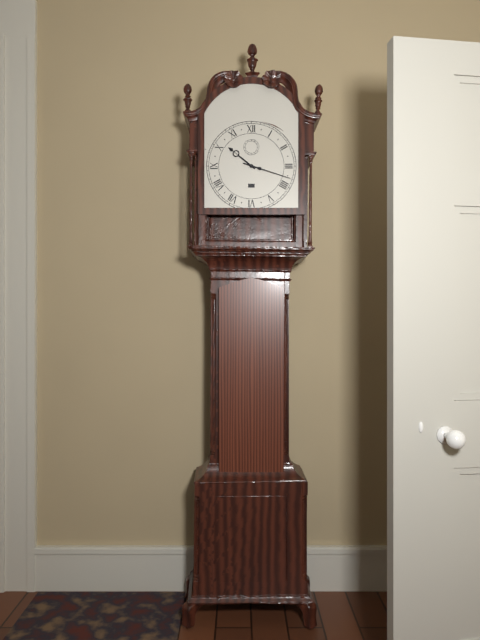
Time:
{"hour": 10, "minute": 18}
